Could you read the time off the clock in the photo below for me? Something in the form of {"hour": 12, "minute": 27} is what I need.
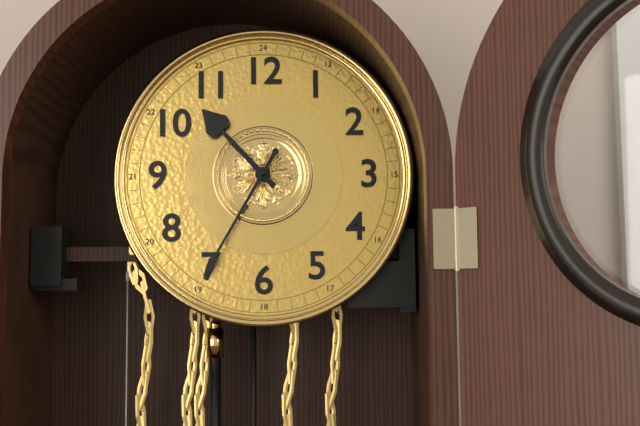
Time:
{"hour": 10, "minute": 35}
